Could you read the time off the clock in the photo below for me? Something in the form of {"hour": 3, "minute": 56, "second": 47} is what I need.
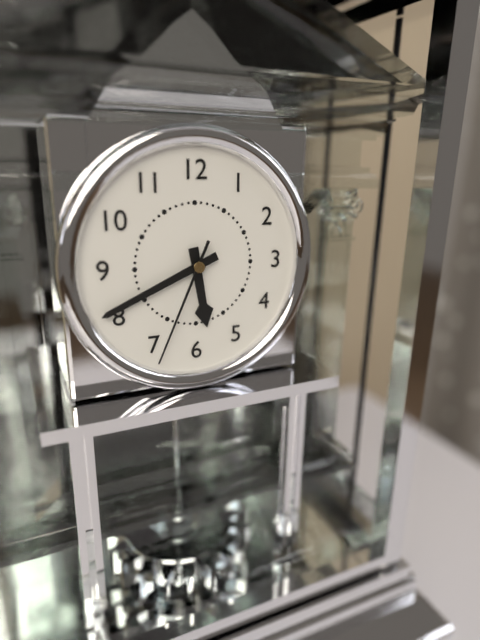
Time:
{"hour": 5, "minute": 41, "second": 34}
